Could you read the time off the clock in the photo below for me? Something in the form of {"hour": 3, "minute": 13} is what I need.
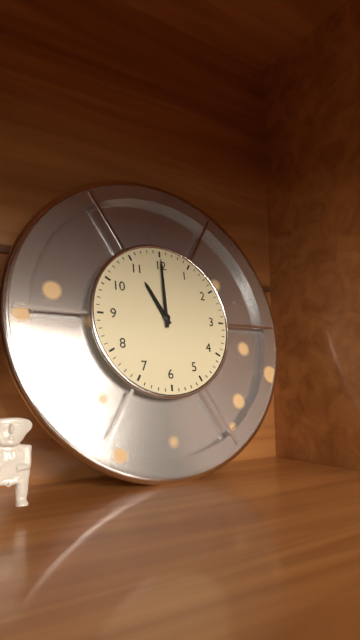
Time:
{"hour": 11, "minute": 0}
